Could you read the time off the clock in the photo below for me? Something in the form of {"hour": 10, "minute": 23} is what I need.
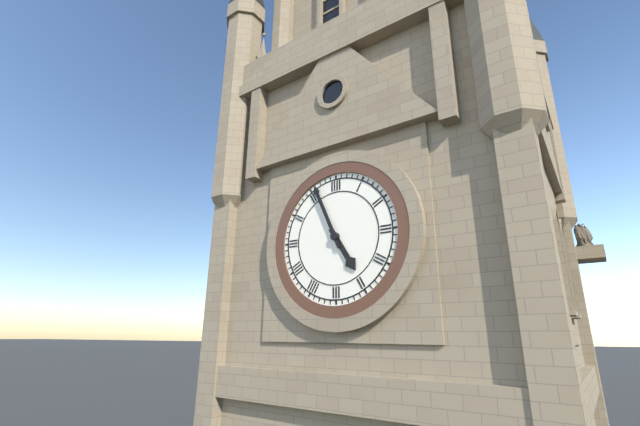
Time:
{"hour": 4, "minute": 56}
